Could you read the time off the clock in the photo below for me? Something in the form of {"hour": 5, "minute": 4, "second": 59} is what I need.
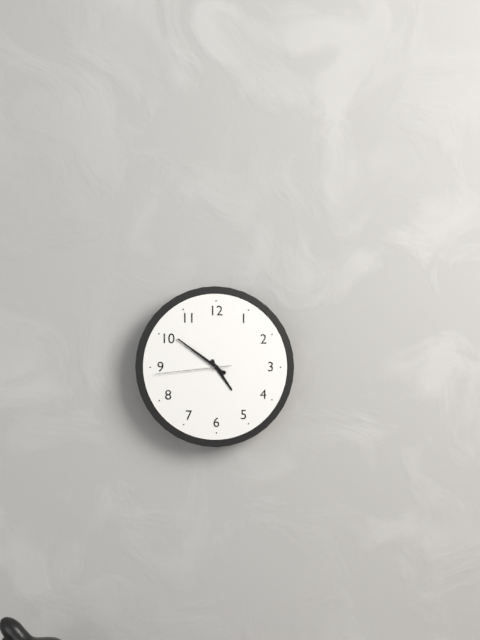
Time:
{"hour": 4, "minute": 51, "second": 44}
